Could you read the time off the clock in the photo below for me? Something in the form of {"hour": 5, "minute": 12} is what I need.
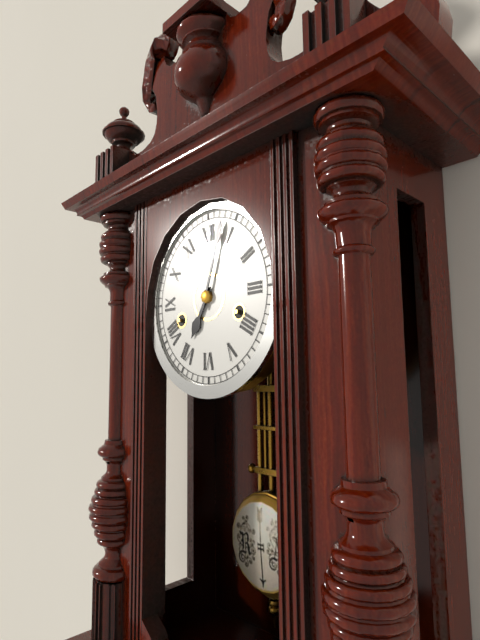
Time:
{"hour": 7, "minute": 3}
